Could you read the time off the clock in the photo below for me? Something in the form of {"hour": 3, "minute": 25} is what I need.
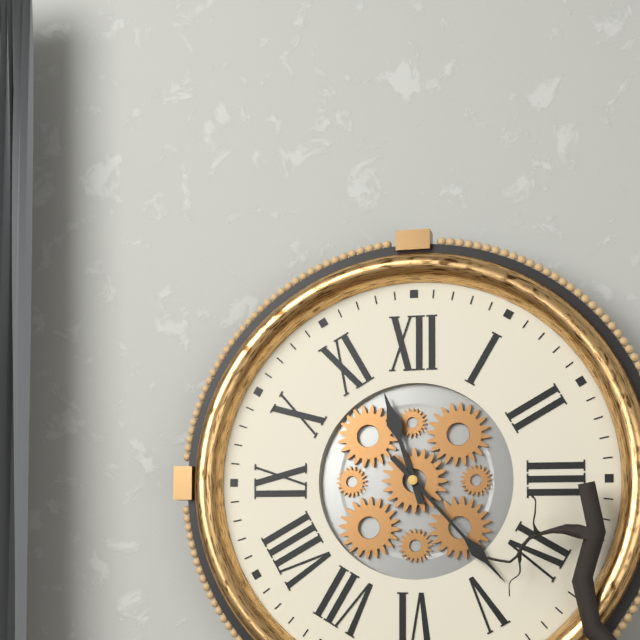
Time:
{"hour": 11, "minute": 23}
